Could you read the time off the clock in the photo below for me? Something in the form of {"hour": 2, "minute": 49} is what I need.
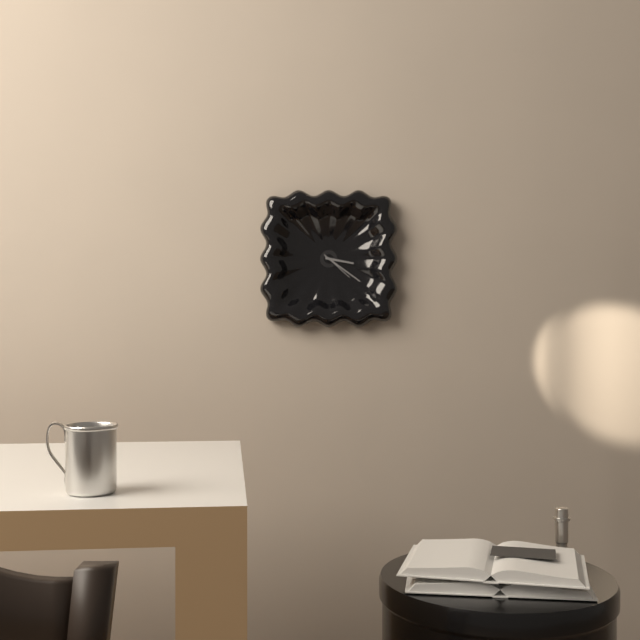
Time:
{"hour": 3, "minute": 21}
